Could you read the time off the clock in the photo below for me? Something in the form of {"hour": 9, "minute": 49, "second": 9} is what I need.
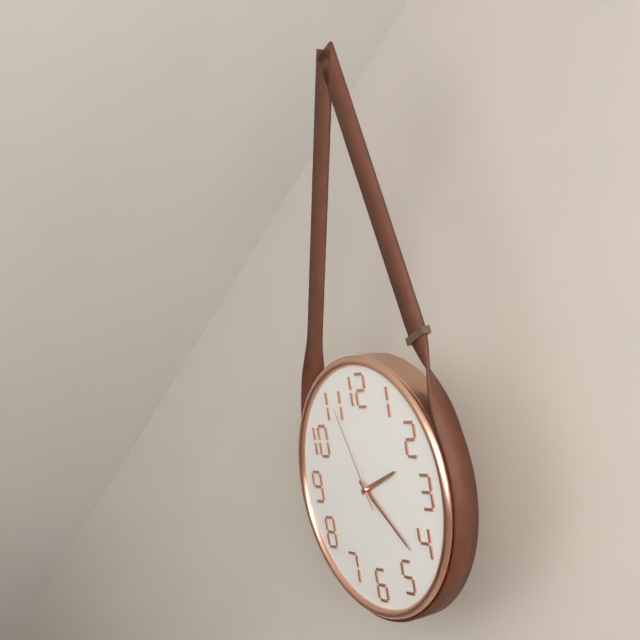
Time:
{"hour": 2, "minute": 22, "second": 56}
